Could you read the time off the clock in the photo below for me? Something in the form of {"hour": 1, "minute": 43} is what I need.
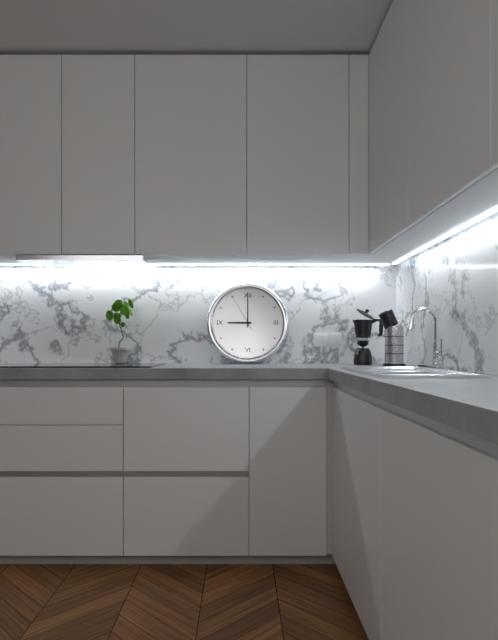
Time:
{"hour": 9, "minute": 0}
